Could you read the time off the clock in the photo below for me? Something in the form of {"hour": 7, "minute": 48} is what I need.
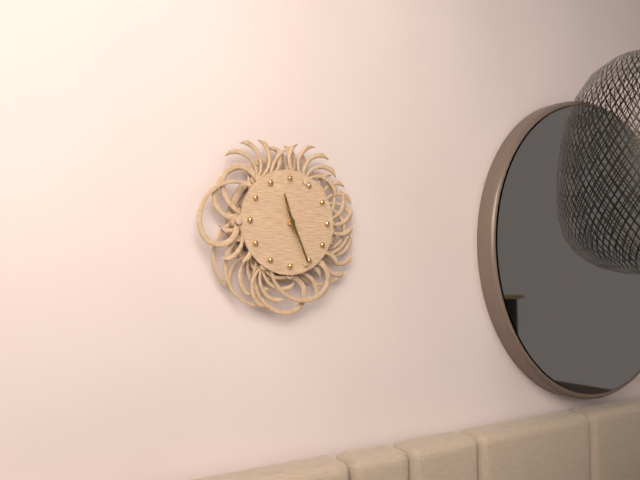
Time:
{"hour": 11, "minute": 26}
